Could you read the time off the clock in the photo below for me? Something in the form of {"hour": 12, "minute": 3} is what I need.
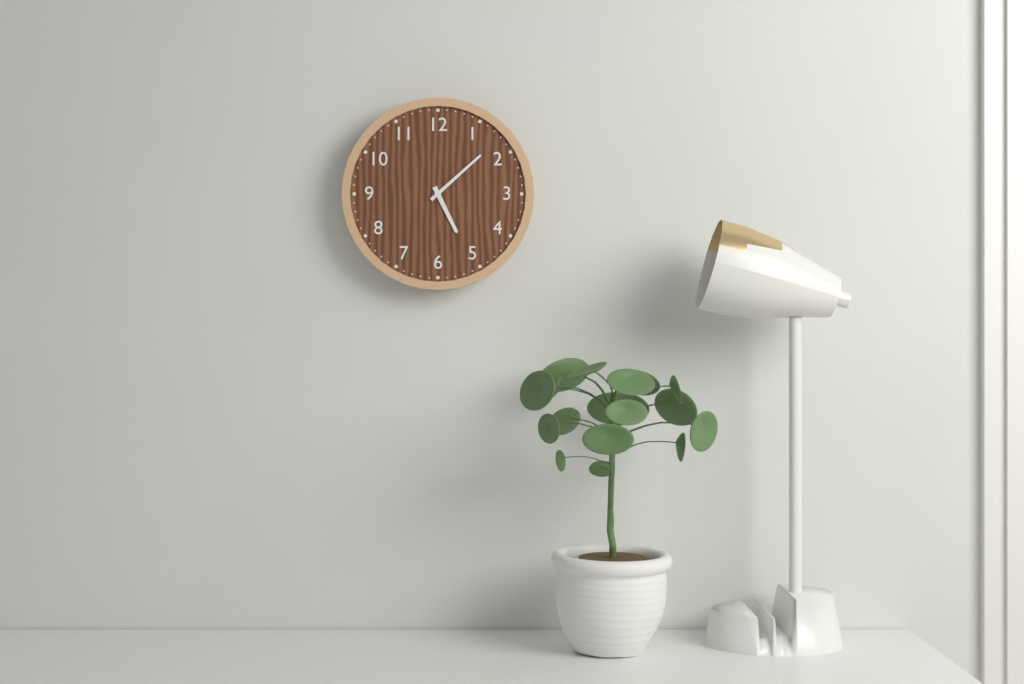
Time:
{"hour": 5, "minute": 8}
